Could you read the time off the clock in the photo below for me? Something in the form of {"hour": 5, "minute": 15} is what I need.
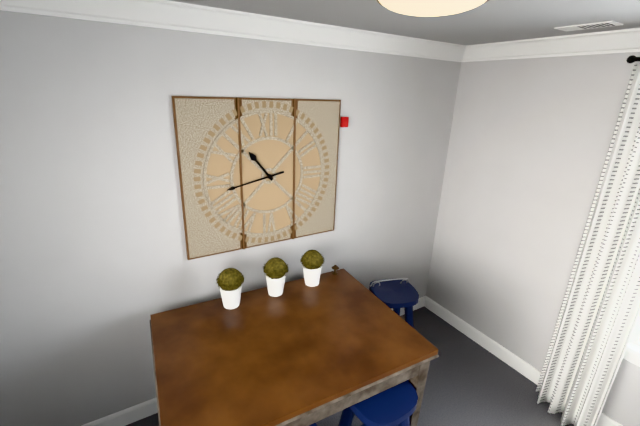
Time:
{"hour": 10, "minute": 43}
